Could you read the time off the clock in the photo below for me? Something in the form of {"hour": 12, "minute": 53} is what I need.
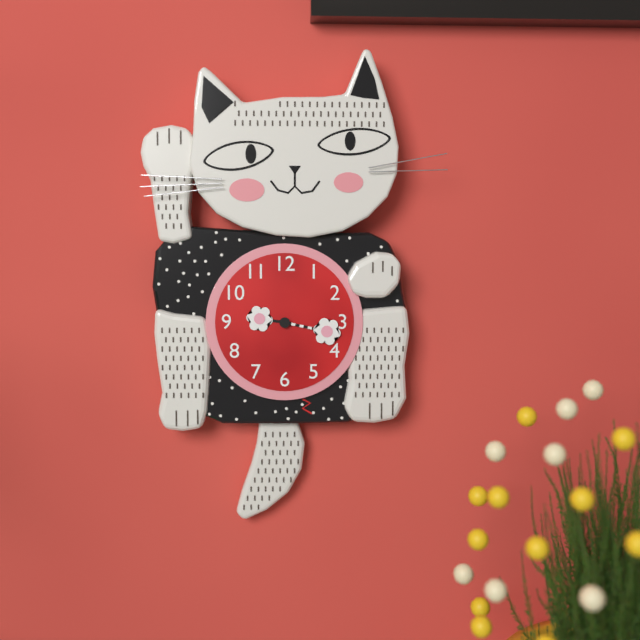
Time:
{"hour": 9, "minute": 17}
